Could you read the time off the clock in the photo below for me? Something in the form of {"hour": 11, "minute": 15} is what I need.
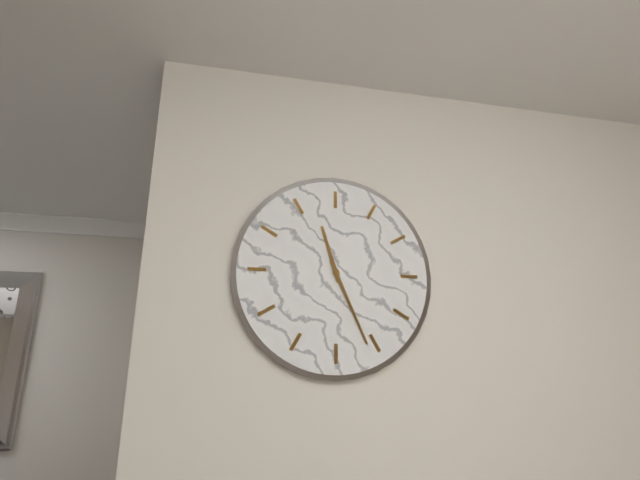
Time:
{"hour": 11, "minute": 26}
